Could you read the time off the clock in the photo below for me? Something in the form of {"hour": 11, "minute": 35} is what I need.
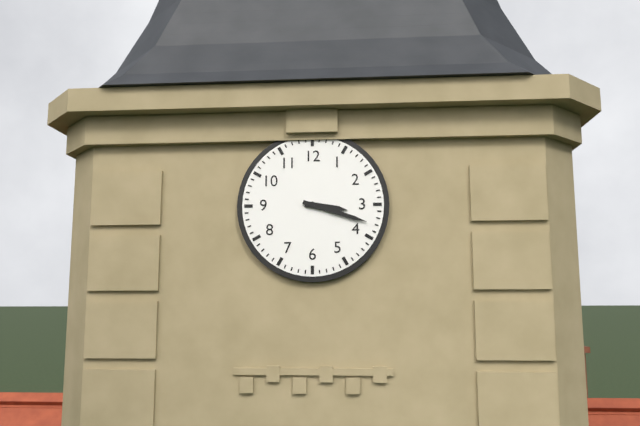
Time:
{"hour": 3, "minute": 18}
